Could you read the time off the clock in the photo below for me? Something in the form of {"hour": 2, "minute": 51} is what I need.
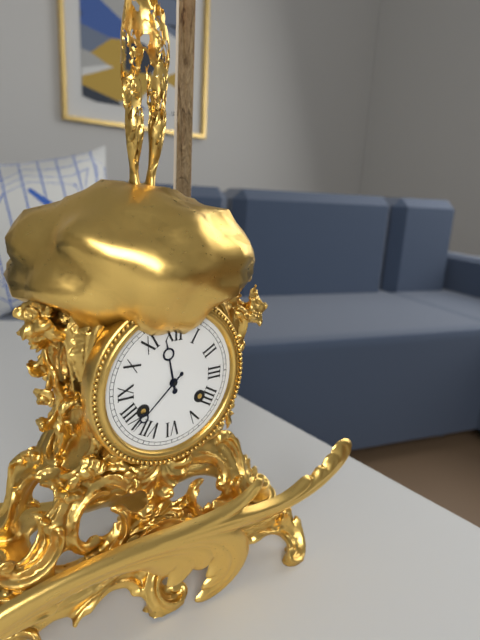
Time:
{"hour": 11, "minute": 38}
